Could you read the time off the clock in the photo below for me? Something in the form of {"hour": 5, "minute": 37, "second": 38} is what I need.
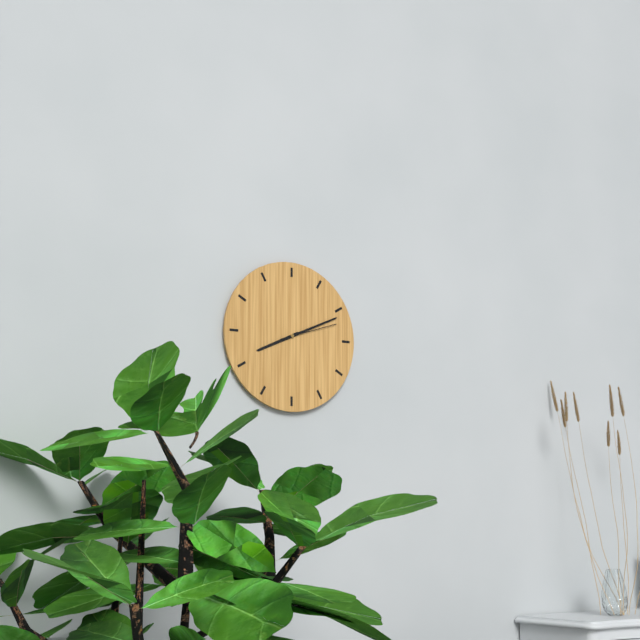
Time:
{"hour": 8, "minute": 11, "second": 12}
